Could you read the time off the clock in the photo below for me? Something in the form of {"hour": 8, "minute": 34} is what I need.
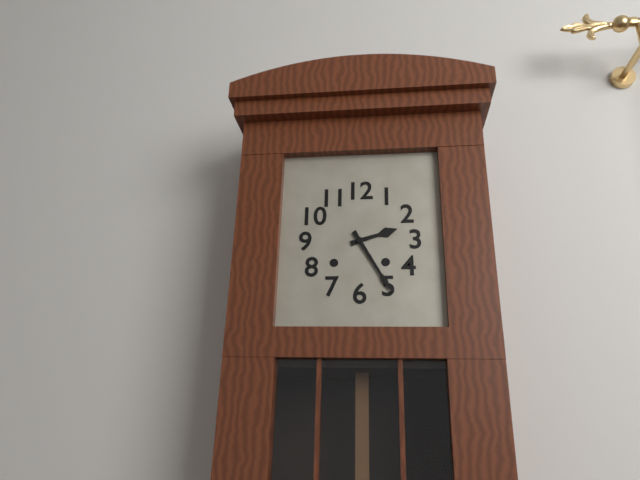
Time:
{"hour": 2, "minute": 25}
